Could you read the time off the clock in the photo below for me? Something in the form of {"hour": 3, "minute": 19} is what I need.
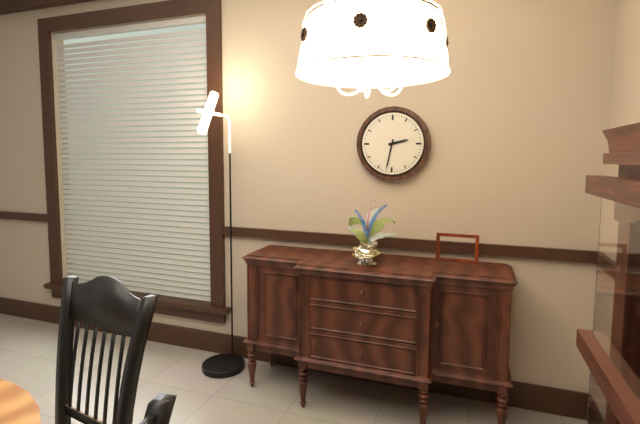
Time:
{"hour": 2, "minute": 32}
